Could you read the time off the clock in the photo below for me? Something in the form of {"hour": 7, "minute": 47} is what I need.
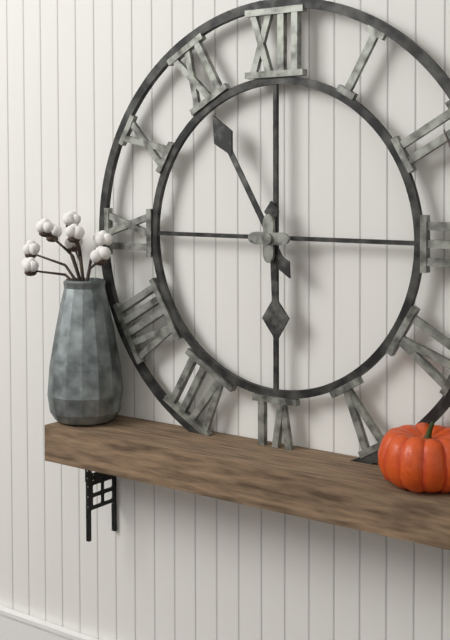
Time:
{"hour": 5, "minute": 55}
